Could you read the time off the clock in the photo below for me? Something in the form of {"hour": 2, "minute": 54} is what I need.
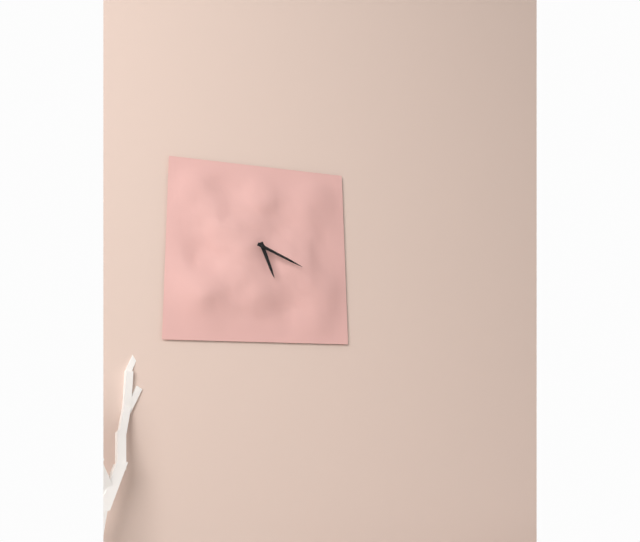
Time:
{"hour": 5, "minute": 19}
